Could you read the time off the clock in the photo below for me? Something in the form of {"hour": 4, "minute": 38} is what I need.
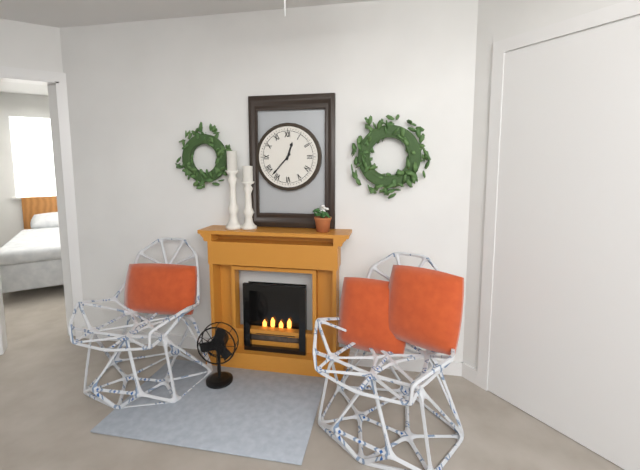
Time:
{"hour": 12, "minute": 37}
